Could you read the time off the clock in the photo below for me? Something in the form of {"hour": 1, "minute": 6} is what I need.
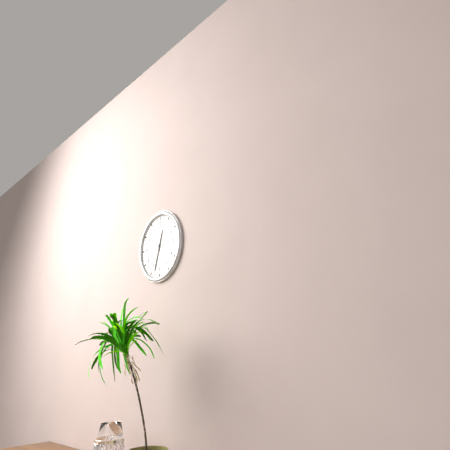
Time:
{"hour": 12, "minute": 33}
